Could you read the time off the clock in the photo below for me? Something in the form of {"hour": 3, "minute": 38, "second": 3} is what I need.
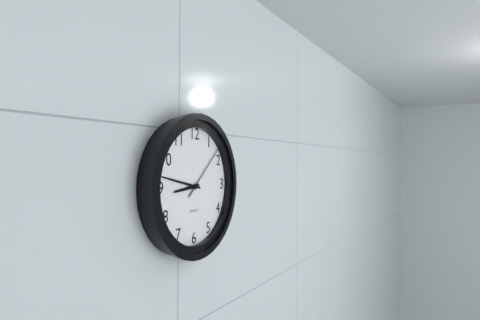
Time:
{"hour": 8, "minute": 47, "second": 8}
